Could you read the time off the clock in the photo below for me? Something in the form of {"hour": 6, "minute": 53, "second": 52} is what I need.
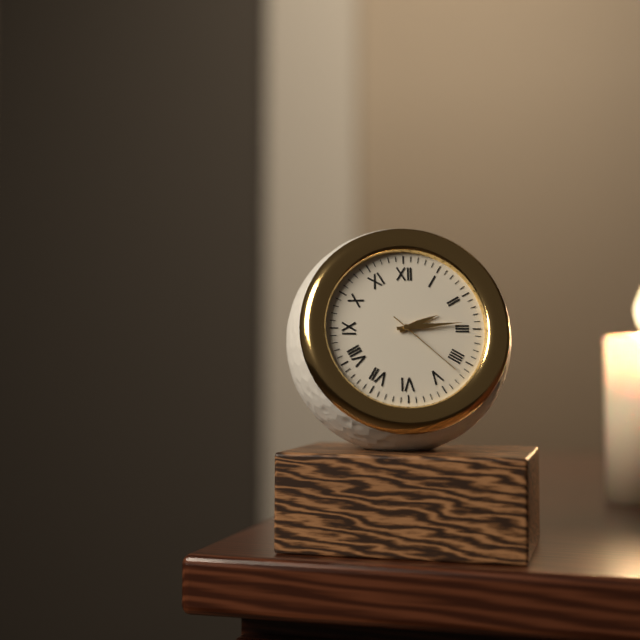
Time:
{"hour": 2, "minute": 14, "second": 22}
